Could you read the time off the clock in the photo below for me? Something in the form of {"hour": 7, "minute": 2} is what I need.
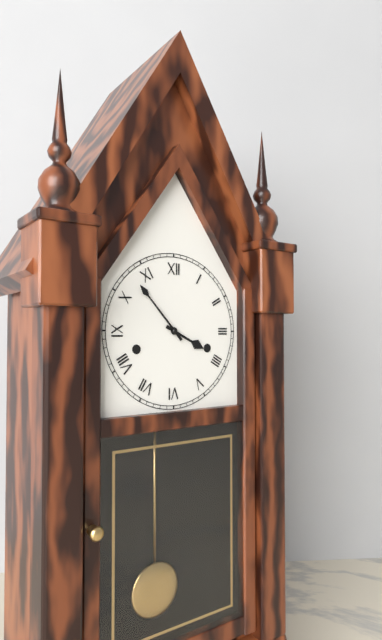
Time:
{"hour": 3, "minute": 53}
